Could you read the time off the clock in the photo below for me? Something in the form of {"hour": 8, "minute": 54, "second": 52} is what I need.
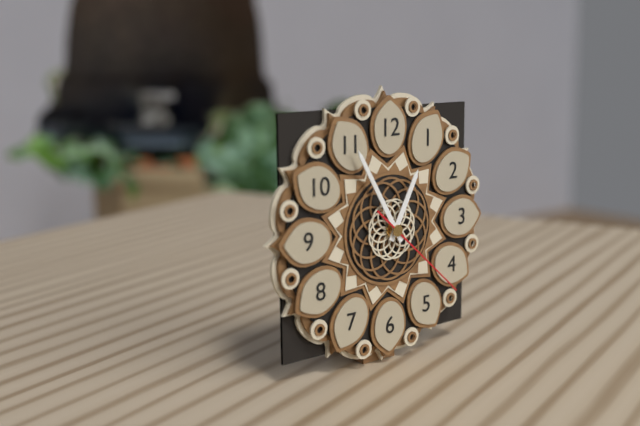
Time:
{"hour": 12, "minute": 55, "second": 22}
